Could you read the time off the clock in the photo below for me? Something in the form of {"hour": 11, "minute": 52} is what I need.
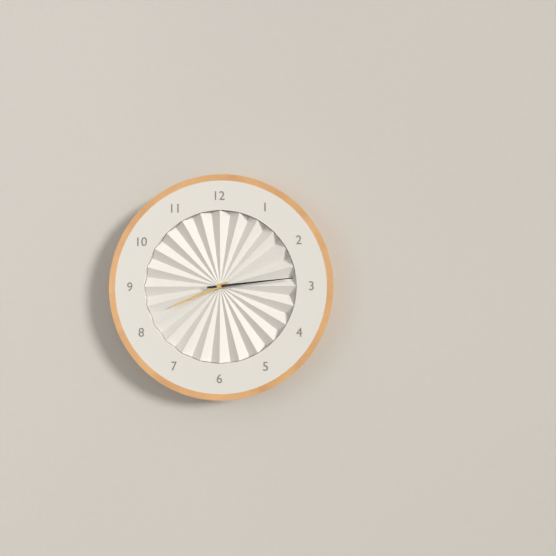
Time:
{"hour": 8, "minute": 14}
